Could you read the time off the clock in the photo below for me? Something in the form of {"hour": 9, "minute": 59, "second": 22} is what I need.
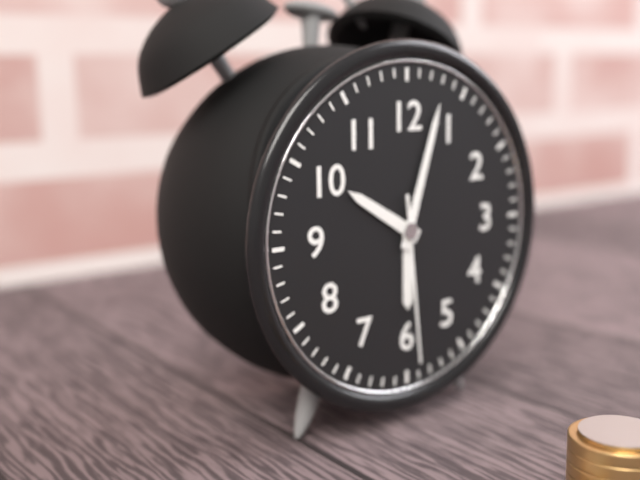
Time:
{"hour": 10, "minute": 3, "second": 29}
